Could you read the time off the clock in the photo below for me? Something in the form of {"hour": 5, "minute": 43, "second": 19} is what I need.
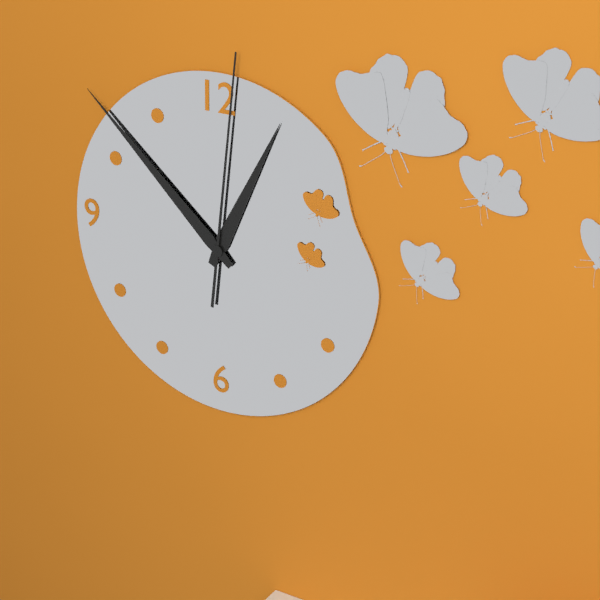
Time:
{"hour": 12, "minute": 52, "second": 1}
